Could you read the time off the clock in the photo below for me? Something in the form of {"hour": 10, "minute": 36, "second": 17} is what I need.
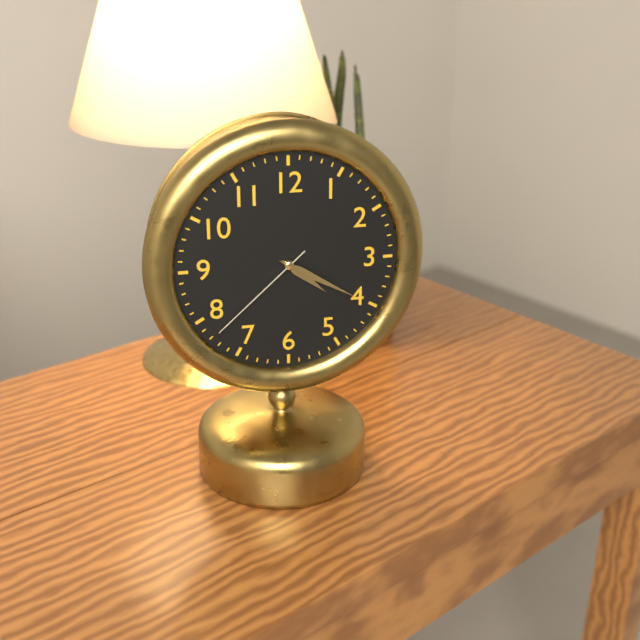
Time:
{"hour": 4, "minute": 20, "second": 38}
